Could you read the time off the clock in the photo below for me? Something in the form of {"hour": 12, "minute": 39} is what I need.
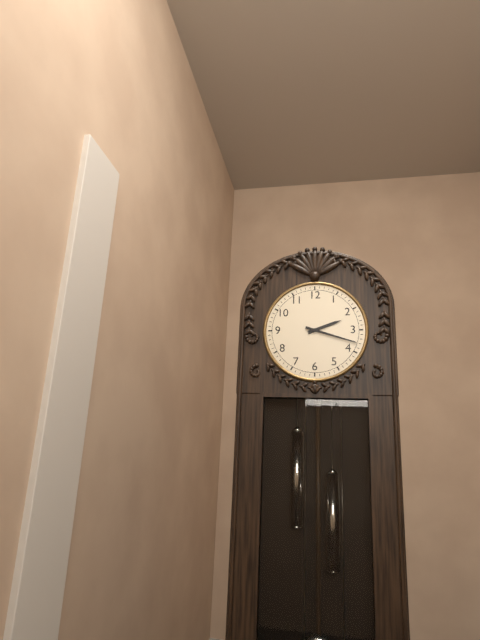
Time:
{"hour": 2, "minute": 18}
